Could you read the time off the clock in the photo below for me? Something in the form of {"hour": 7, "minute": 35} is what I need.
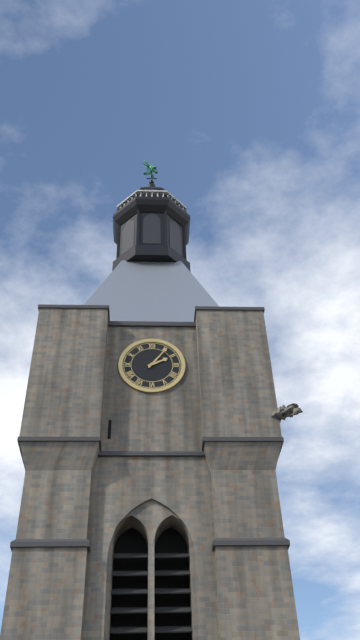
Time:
{"hour": 2, "minute": 6}
